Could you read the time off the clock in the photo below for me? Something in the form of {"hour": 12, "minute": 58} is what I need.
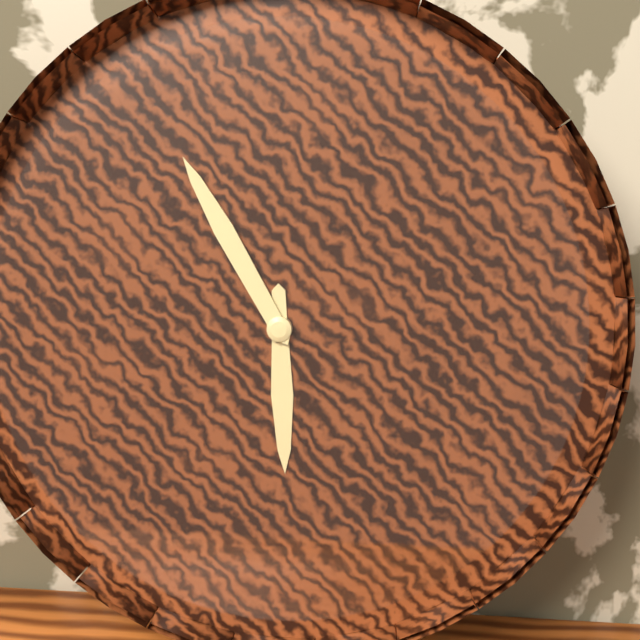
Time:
{"hour": 5, "minute": 55}
